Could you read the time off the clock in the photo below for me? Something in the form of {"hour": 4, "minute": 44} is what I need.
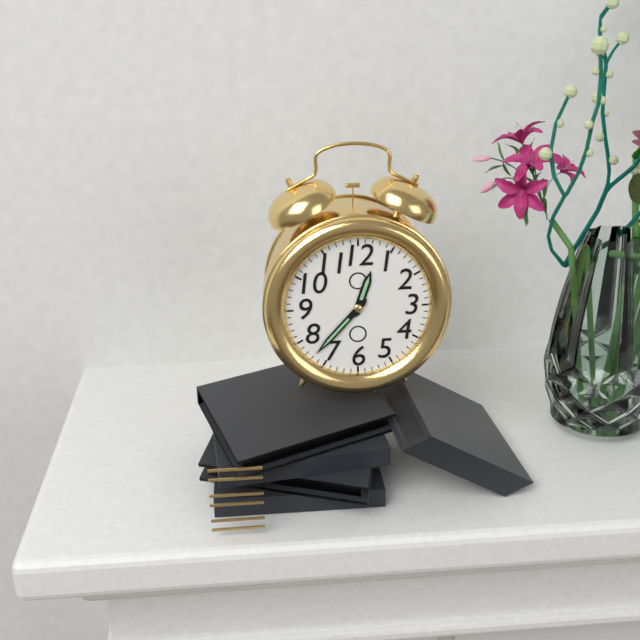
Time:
{"hour": 12, "minute": 37}
